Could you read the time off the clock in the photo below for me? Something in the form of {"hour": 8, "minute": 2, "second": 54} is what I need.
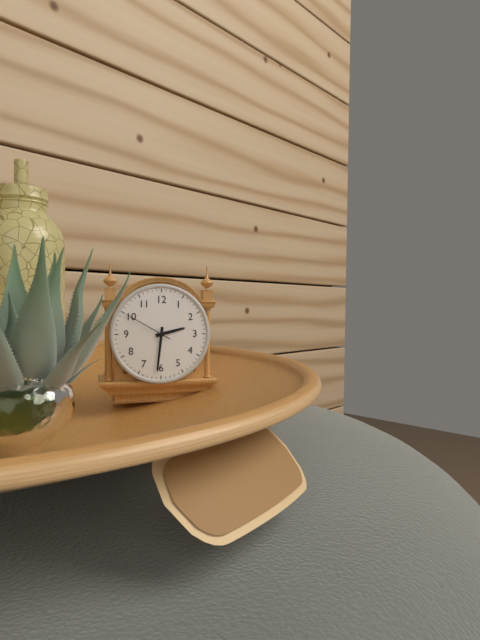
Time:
{"hour": 2, "minute": 31, "second": 50}
